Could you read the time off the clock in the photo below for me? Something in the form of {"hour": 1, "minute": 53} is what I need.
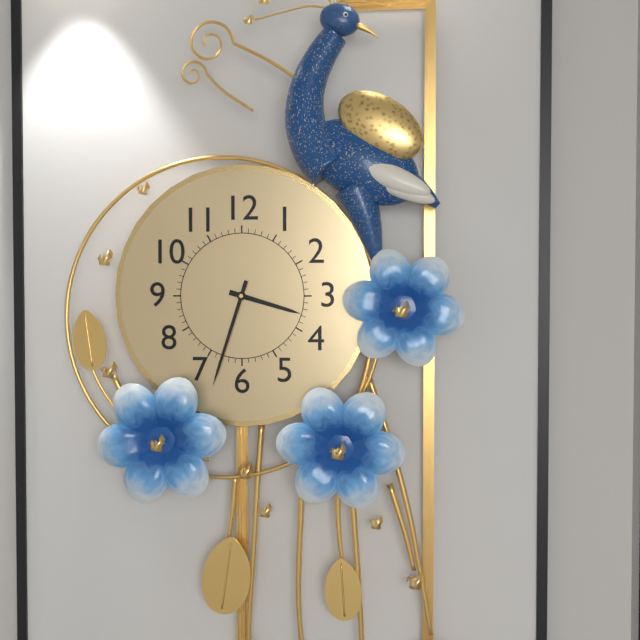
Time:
{"hour": 3, "minute": 33}
